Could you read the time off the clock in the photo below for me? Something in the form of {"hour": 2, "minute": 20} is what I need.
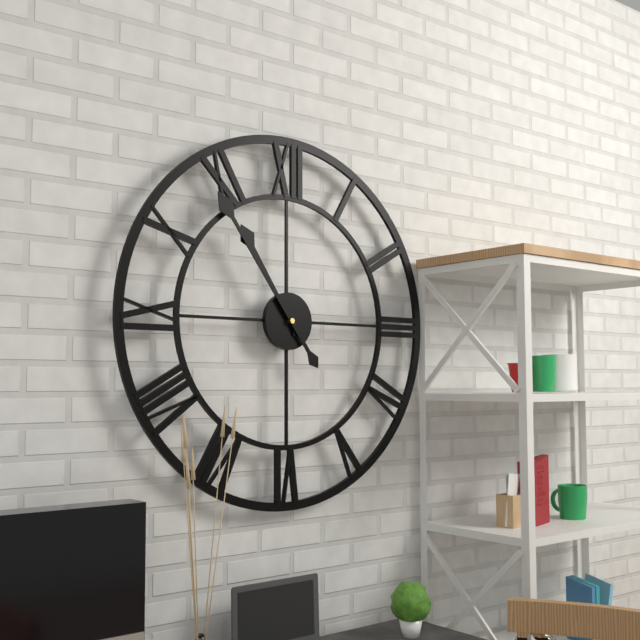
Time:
{"hour": 10, "minute": 54}
